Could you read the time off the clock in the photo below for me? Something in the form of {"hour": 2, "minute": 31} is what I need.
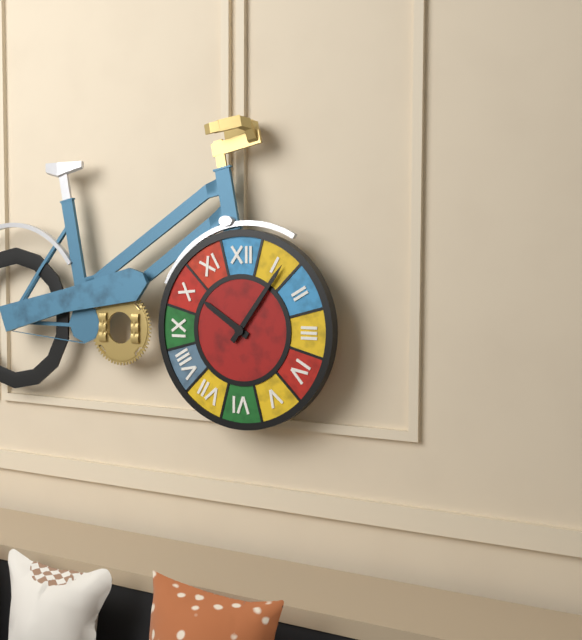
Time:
{"hour": 10, "minute": 6}
